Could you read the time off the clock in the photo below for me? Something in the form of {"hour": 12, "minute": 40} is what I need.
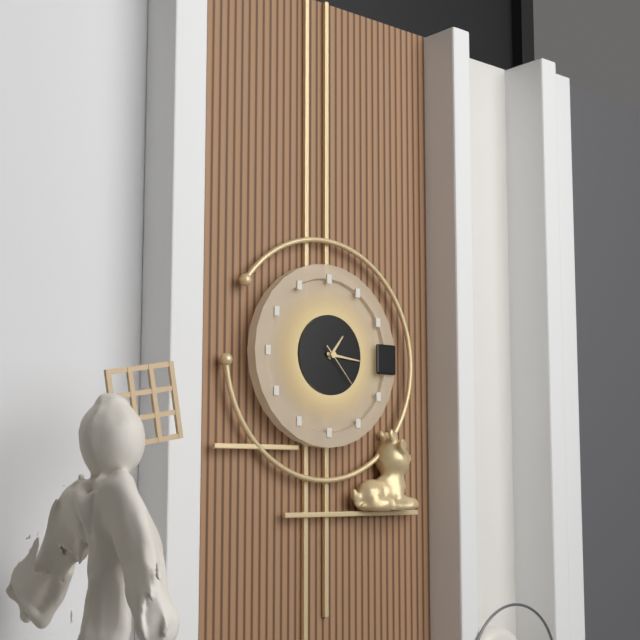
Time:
{"hour": 1, "minute": 16}
